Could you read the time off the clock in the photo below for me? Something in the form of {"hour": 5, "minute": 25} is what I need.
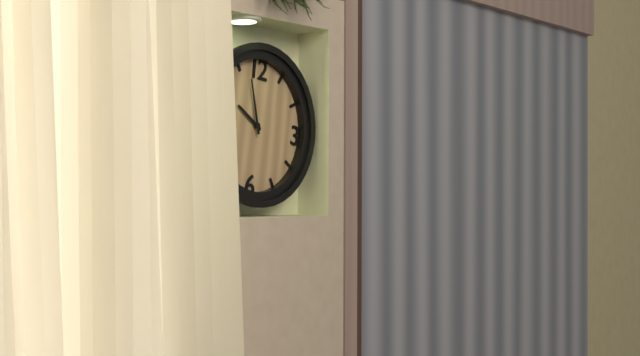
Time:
{"hour": 9, "minute": 57}
